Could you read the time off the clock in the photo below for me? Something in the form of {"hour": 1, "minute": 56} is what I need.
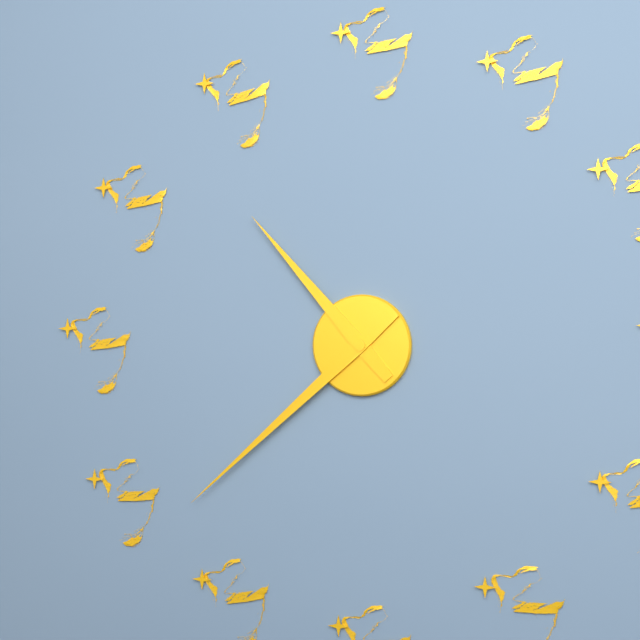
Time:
{"hour": 10, "minute": 38}
